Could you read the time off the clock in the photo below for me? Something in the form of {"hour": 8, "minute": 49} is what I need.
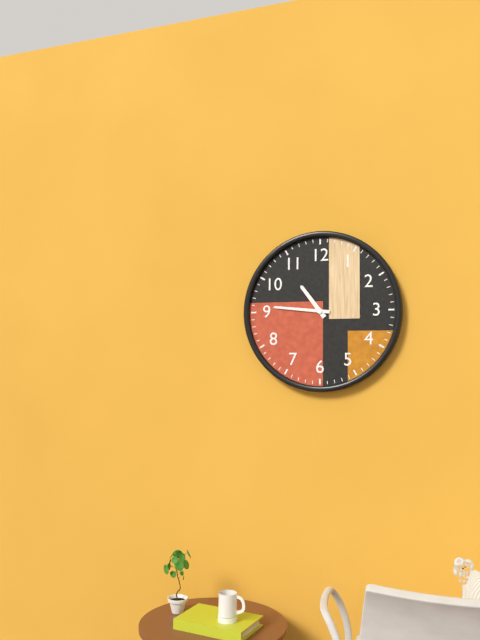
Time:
{"hour": 10, "minute": 46}
